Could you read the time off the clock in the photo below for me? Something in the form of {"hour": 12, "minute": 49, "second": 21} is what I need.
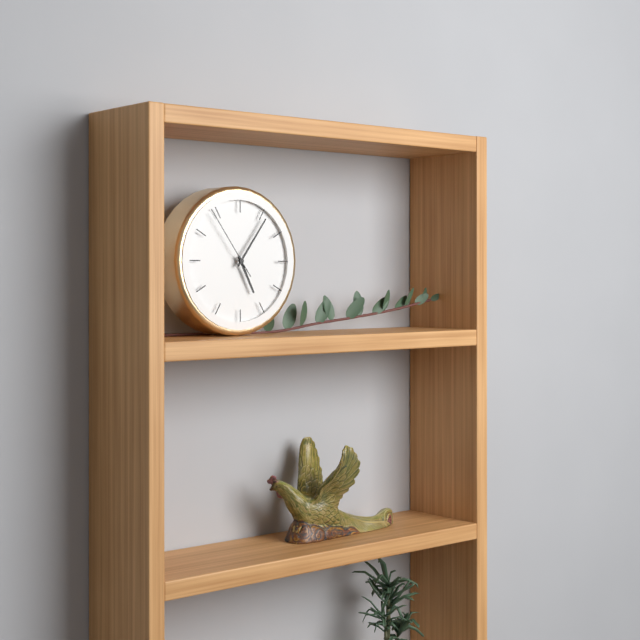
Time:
{"hour": 5, "minute": 6, "second": 54}
